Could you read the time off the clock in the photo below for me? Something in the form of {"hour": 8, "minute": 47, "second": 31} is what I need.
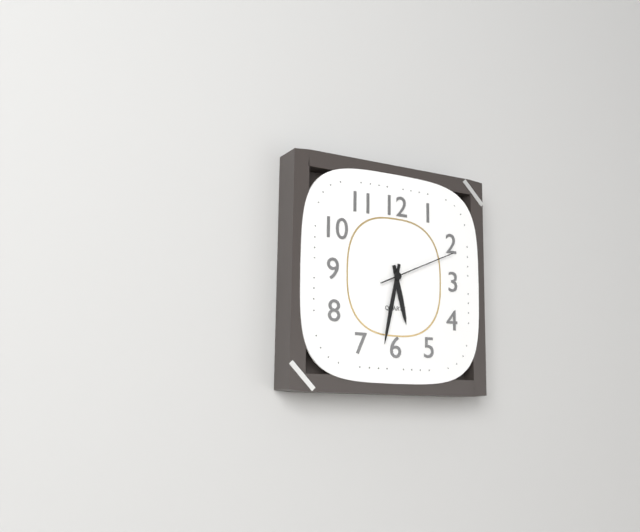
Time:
{"hour": 5, "minute": 32, "second": 11}
